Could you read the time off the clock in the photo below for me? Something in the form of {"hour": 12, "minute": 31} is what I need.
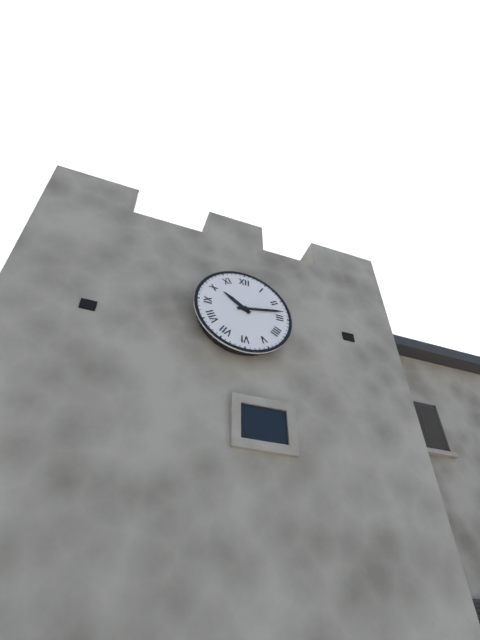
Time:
{"hour": 10, "minute": 13}
